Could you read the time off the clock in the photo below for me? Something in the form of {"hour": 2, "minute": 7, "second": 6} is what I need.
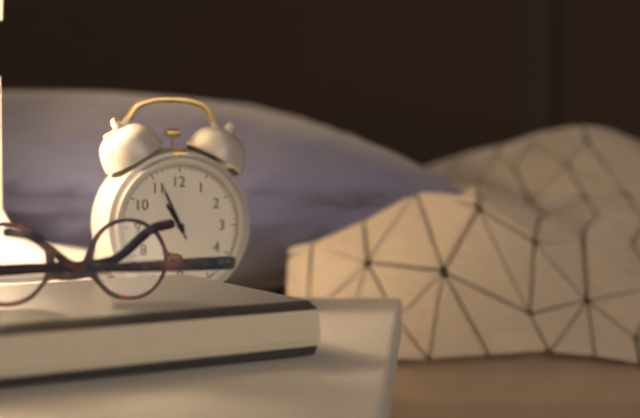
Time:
{"hour": 10, "minute": 56, "second": 56}
